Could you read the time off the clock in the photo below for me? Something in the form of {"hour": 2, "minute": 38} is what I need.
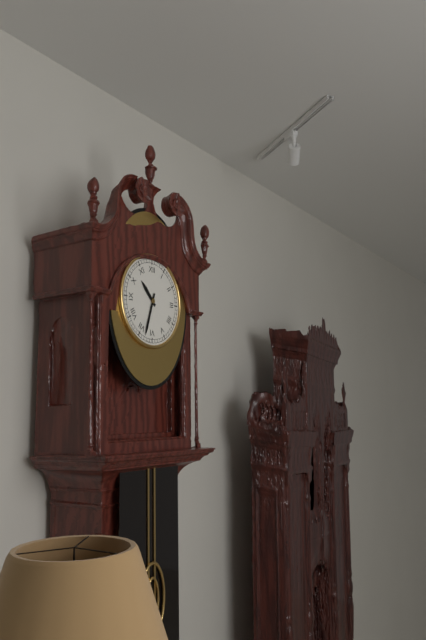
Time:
{"hour": 10, "minute": 33}
